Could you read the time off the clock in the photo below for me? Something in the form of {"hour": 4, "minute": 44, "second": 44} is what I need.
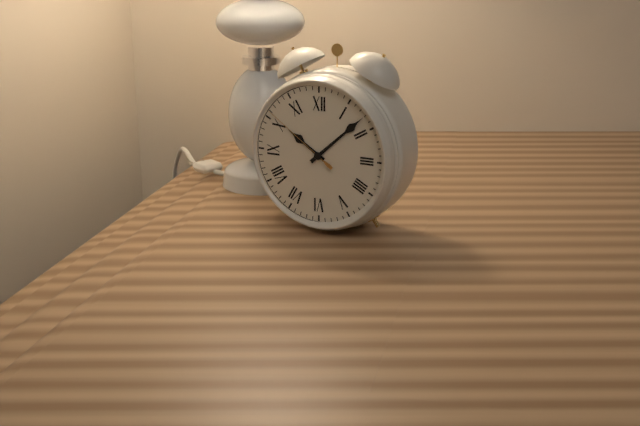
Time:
{"hour": 10, "minute": 8, "second": 51}
